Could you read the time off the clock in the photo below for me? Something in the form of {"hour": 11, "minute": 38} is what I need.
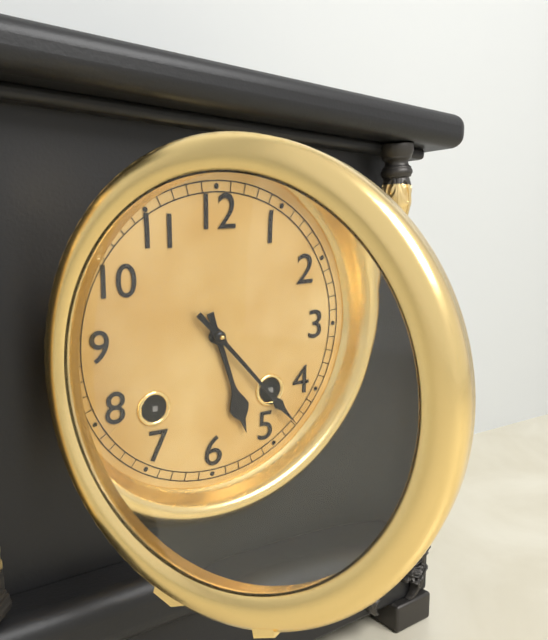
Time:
{"hour": 5, "minute": 23}
